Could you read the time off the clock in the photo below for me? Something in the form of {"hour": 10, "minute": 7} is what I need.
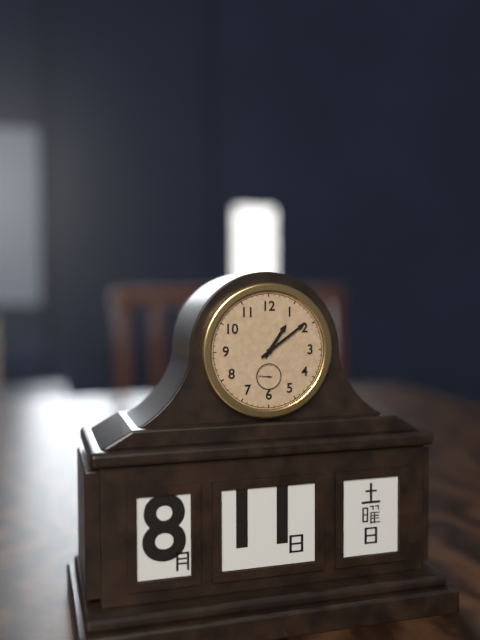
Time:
{"hour": 1, "minute": 9}
